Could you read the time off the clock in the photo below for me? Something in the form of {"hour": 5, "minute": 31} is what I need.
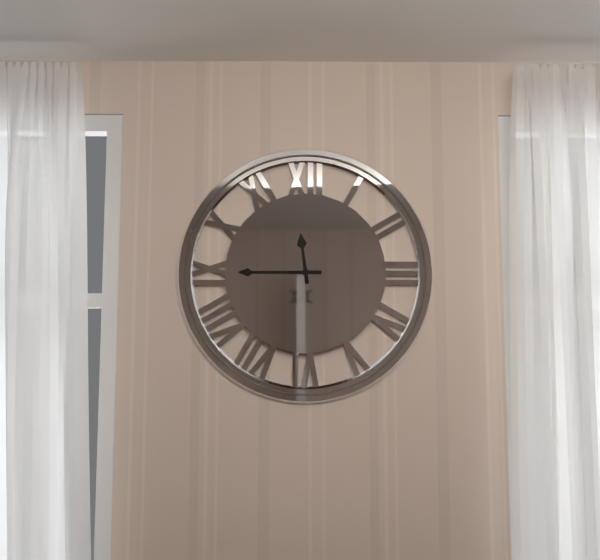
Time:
{"hour": 11, "minute": 45}
